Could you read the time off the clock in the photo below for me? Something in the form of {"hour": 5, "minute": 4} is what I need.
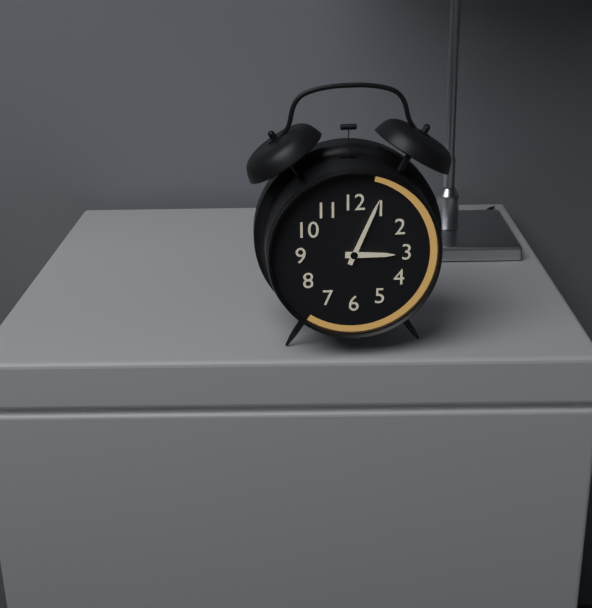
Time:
{"hour": 3, "minute": 4}
